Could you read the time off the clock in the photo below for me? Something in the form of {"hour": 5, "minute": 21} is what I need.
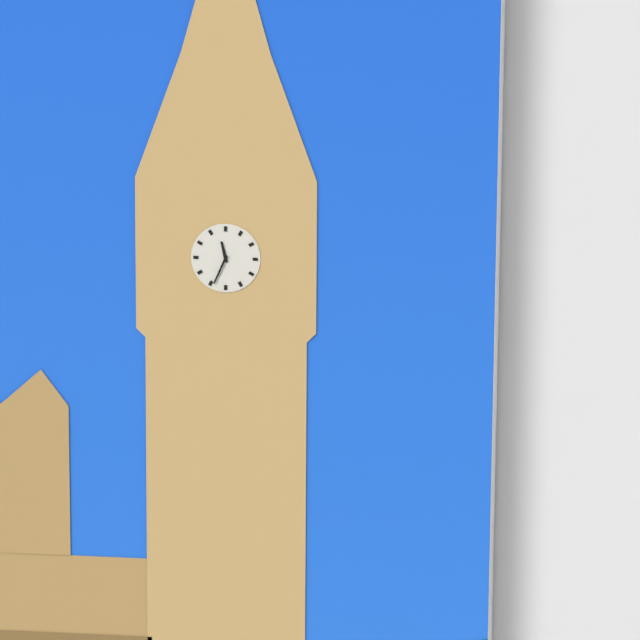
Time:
{"hour": 11, "minute": 34}
